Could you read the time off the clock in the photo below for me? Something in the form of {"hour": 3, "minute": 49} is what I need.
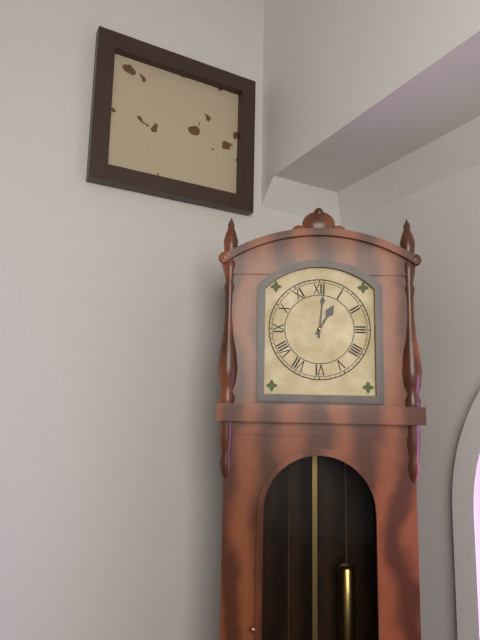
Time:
{"hour": 1, "minute": 1}
